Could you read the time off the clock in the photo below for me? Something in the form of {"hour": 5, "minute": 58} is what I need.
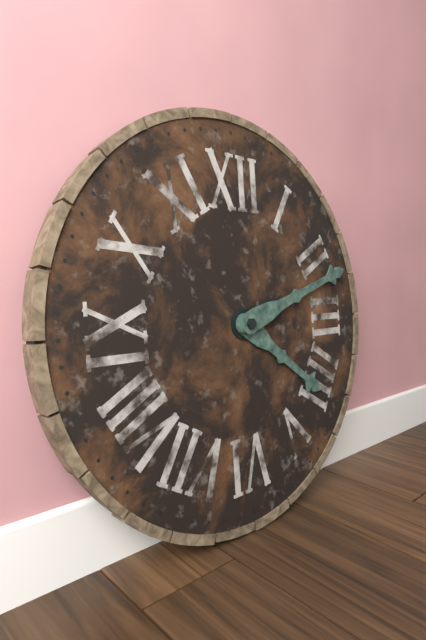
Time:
{"hour": 4, "minute": 12}
